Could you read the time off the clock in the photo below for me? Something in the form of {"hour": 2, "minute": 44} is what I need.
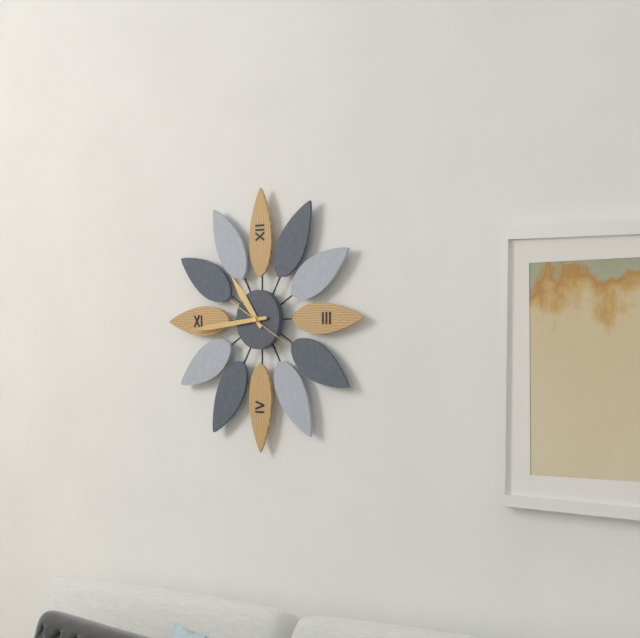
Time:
{"hour": 10, "minute": 44}
